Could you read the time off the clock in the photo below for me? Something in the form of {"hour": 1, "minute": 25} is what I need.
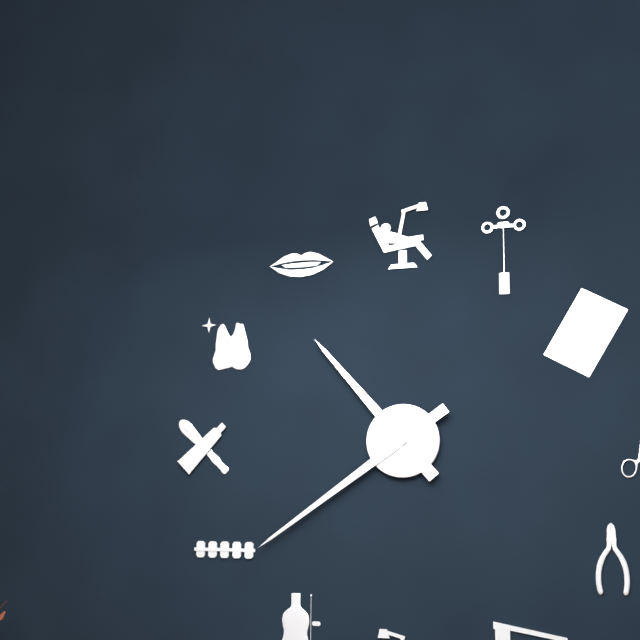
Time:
{"hour": 10, "minute": 39}
